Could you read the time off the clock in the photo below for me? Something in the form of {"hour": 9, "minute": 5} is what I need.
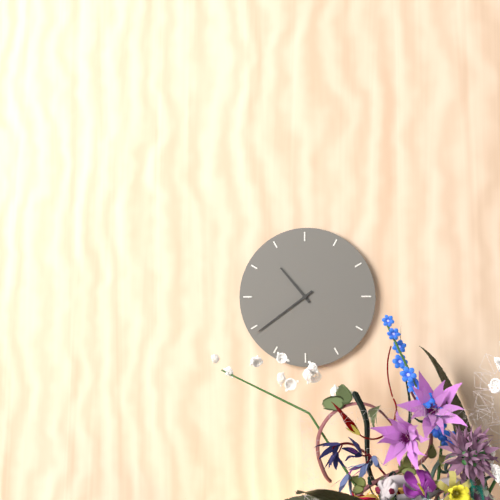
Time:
{"hour": 10, "minute": 39}
